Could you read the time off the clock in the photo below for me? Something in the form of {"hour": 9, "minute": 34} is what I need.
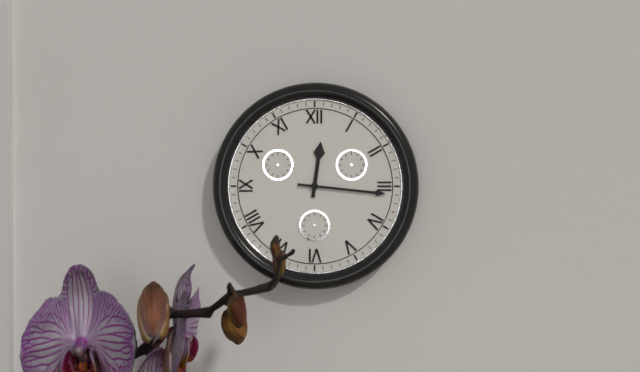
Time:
{"hour": 12, "minute": 16}
